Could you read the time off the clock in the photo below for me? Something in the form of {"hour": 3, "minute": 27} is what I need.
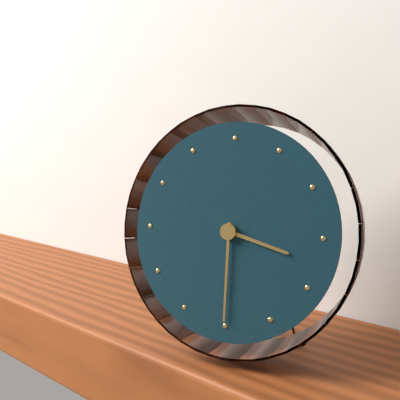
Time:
{"hour": 3, "minute": 30}
